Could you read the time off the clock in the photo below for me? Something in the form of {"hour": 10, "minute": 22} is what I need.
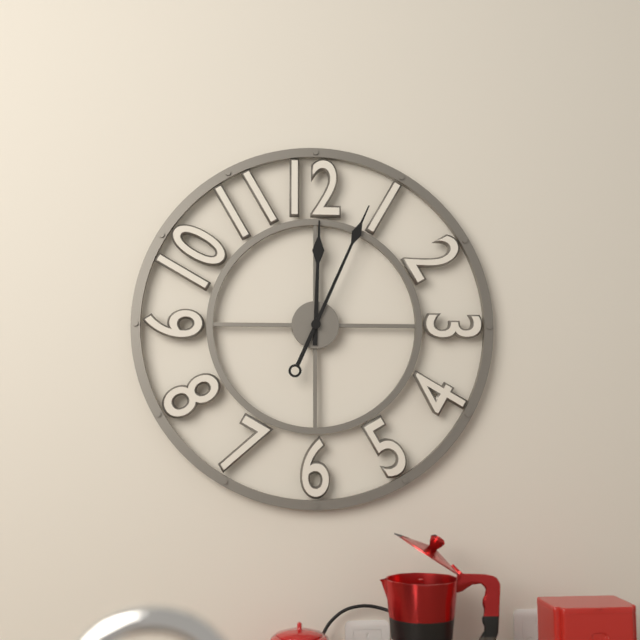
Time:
{"hour": 12, "minute": 4}
